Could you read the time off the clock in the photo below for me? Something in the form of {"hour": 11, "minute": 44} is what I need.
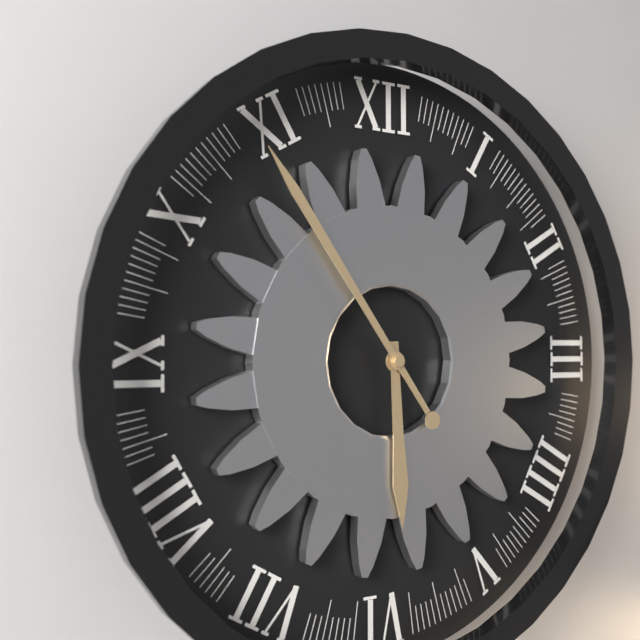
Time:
{"hour": 5, "minute": 54}
